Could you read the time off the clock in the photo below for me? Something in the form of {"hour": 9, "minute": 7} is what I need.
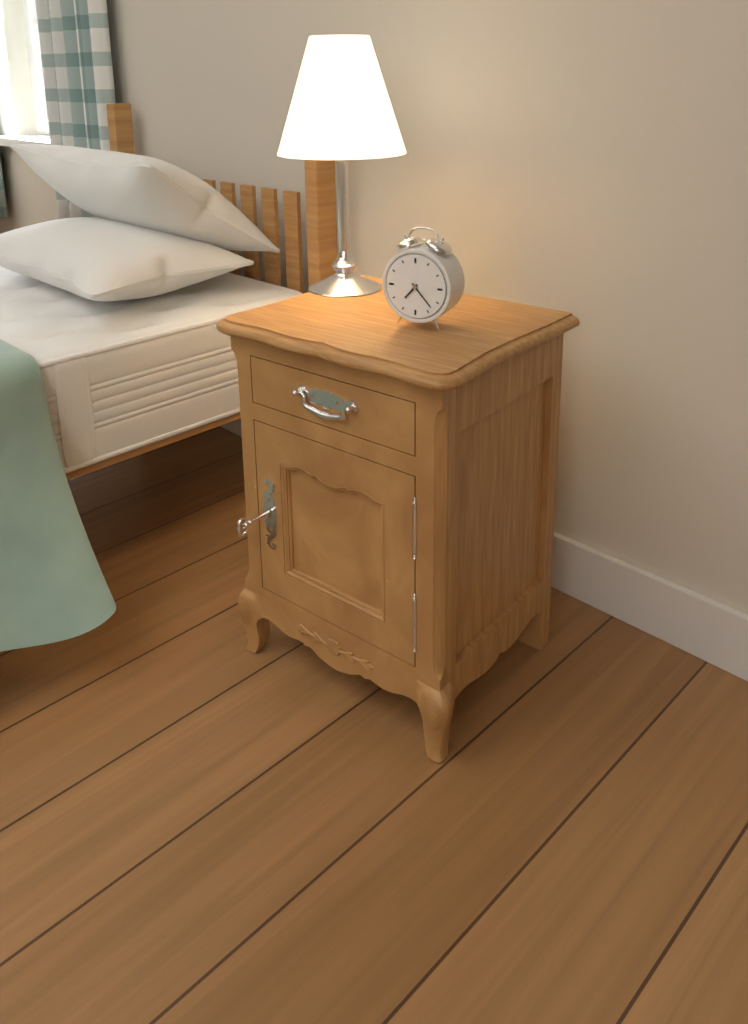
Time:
{"hour": 7, "minute": 23}
